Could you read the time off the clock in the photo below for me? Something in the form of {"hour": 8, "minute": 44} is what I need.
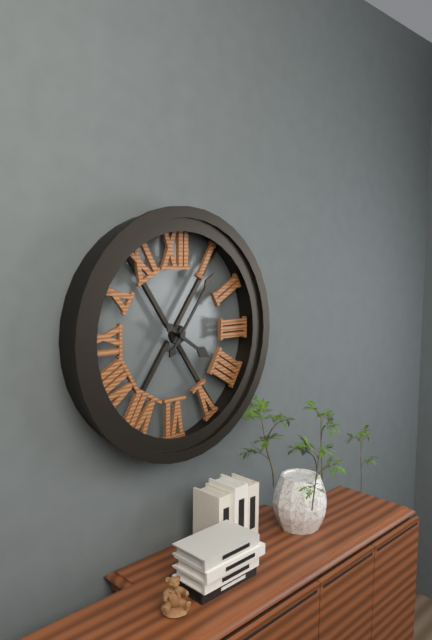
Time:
{"hour": 4, "minute": 6}
